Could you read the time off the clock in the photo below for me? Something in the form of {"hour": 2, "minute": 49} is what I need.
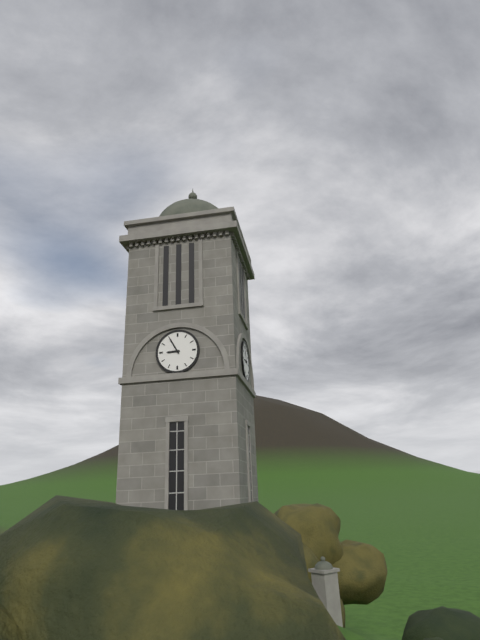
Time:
{"hour": 8, "minute": 55}
